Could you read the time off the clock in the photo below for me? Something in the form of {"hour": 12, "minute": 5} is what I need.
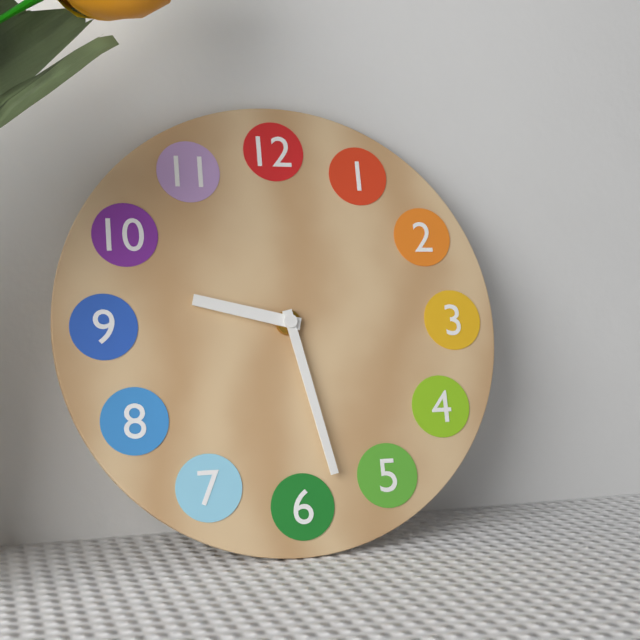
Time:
{"hour": 9, "minute": 28}
